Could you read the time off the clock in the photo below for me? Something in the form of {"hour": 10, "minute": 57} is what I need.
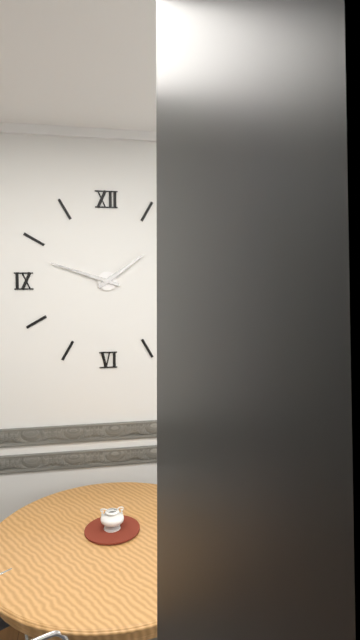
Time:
{"hour": 1, "minute": 48}
